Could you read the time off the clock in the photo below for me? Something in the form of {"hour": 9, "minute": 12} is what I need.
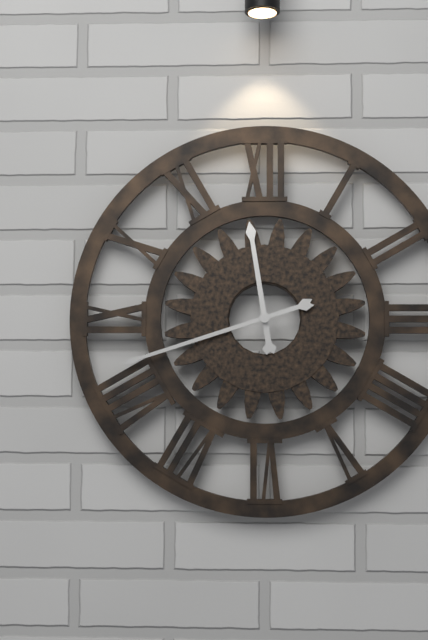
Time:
{"hour": 11, "minute": 42}
